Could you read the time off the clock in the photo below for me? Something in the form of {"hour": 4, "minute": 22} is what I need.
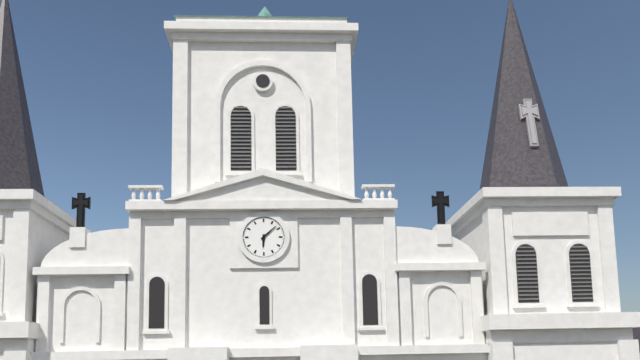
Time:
{"hour": 6, "minute": 8}
